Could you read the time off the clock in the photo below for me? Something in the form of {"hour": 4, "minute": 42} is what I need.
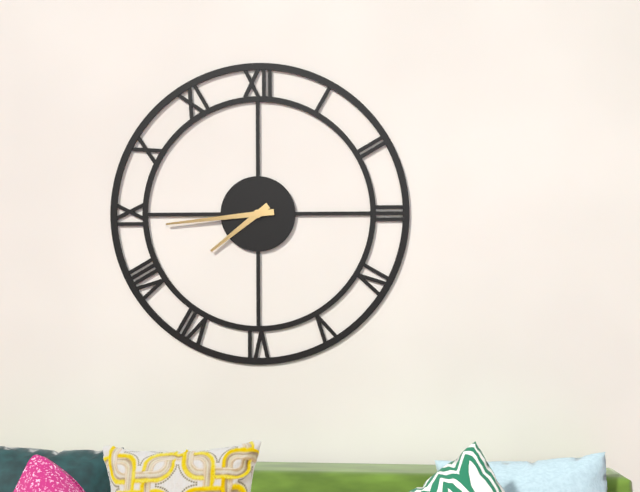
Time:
{"hour": 7, "minute": 44}
